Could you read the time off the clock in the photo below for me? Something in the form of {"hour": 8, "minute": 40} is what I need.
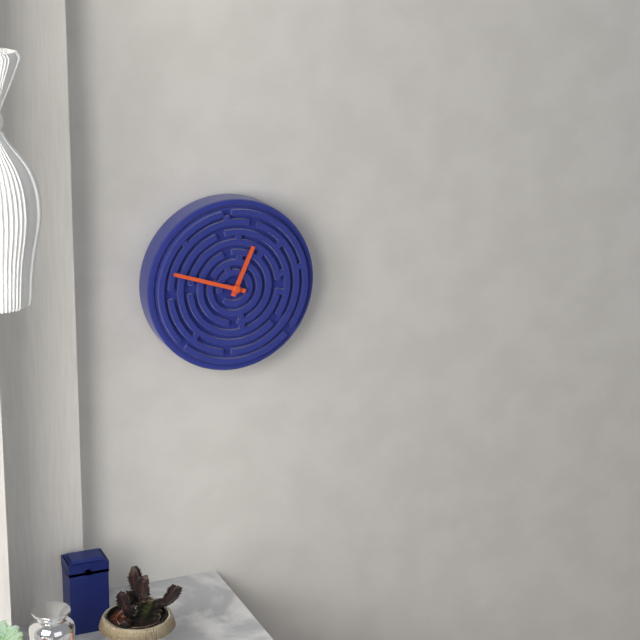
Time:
{"hour": 12, "minute": 48}
